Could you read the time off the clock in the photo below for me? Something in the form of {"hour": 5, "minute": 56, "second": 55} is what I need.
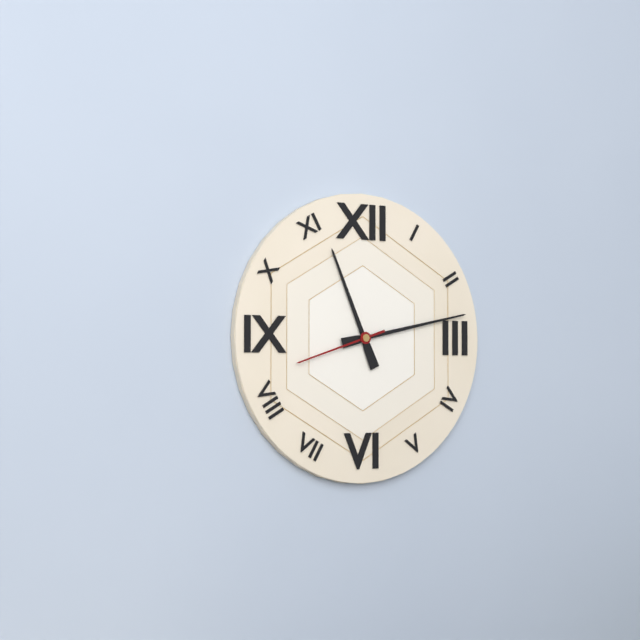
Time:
{"hour": 11, "minute": 13, "second": 42}
